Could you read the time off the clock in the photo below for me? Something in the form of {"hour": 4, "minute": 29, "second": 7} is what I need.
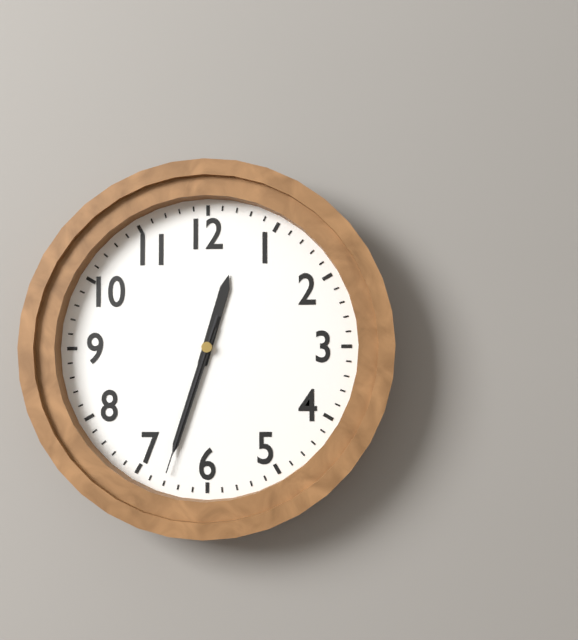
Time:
{"hour": 12, "minute": 33, "second": 33}
